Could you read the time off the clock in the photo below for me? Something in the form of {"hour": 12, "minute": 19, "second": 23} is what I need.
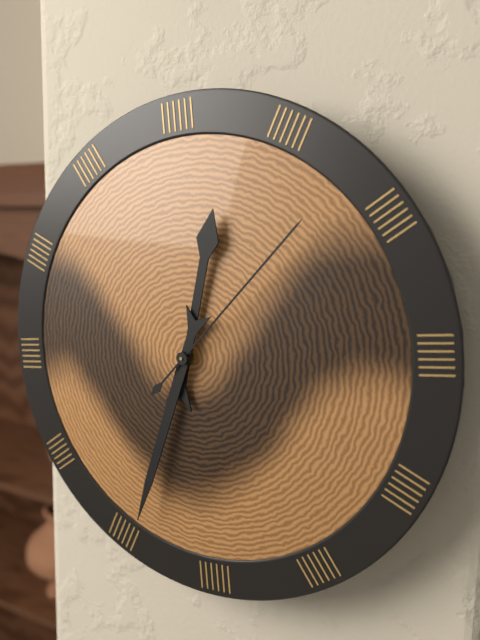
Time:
{"hour": 12, "minute": 34, "second": 8}
